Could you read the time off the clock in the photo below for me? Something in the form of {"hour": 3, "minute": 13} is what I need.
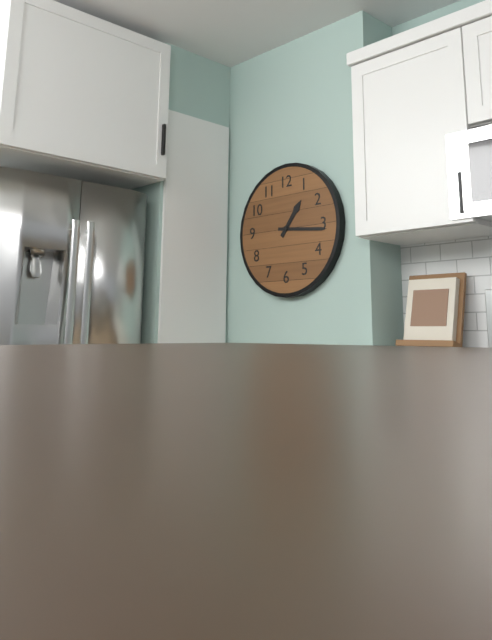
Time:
{"hour": 1, "minute": 16}
